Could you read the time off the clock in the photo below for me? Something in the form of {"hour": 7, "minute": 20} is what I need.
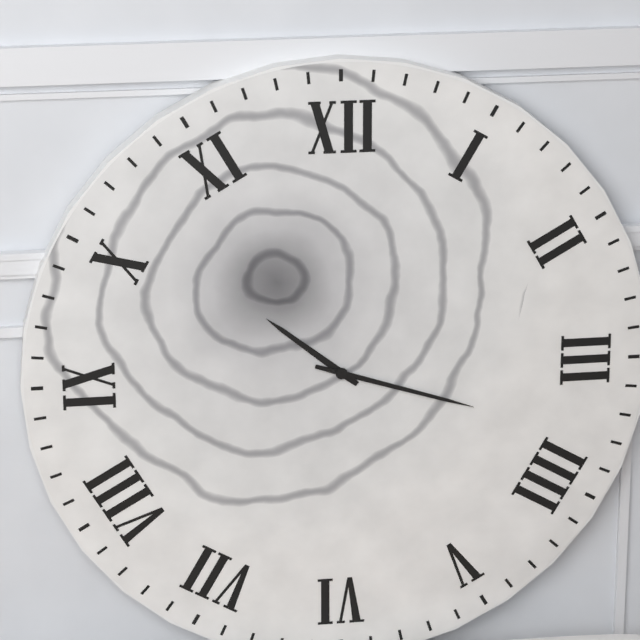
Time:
{"hour": 10, "minute": 18}
